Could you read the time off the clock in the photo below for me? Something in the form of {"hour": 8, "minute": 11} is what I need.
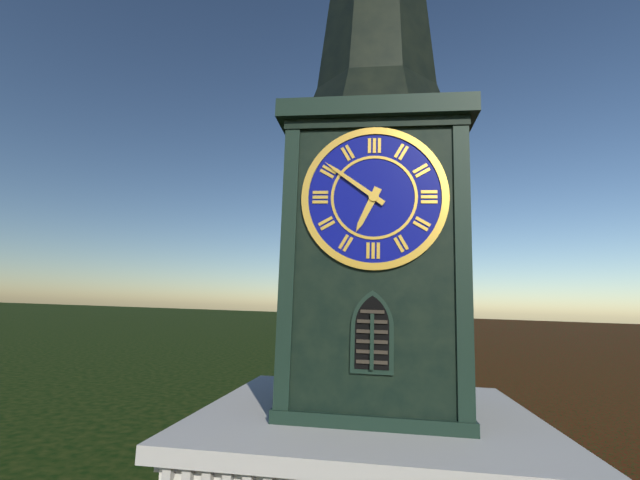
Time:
{"hour": 6, "minute": 51}
